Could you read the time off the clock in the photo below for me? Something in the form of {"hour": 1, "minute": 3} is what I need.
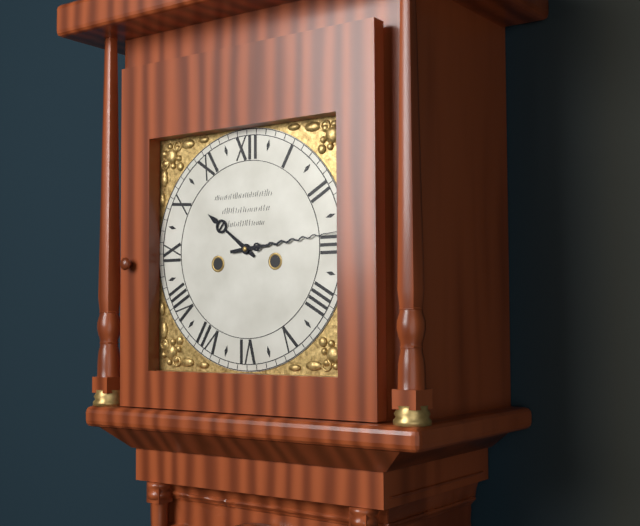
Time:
{"hour": 10, "minute": 14}
